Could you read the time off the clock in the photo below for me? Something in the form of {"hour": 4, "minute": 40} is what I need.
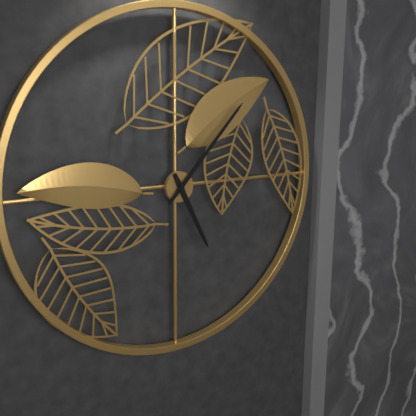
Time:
{"hour": 5, "minute": 7}
